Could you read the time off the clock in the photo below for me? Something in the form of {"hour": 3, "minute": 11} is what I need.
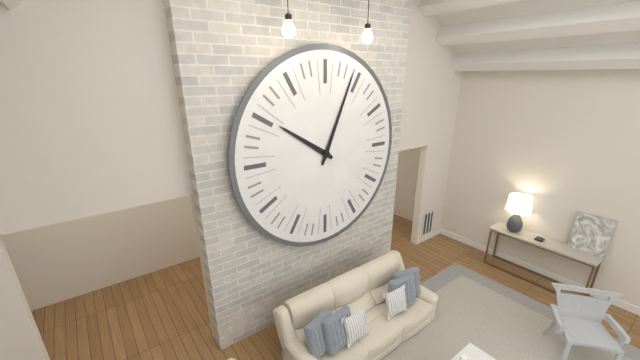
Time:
{"hour": 10, "minute": 4}
